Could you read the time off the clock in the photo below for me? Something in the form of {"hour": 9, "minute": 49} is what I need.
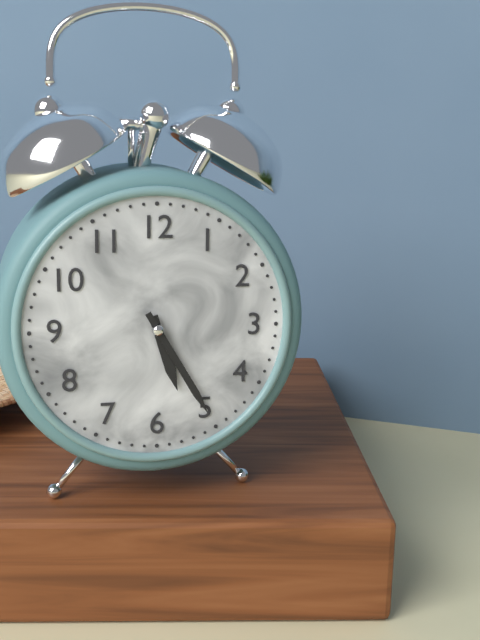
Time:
{"hour": 5, "minute": 25}
